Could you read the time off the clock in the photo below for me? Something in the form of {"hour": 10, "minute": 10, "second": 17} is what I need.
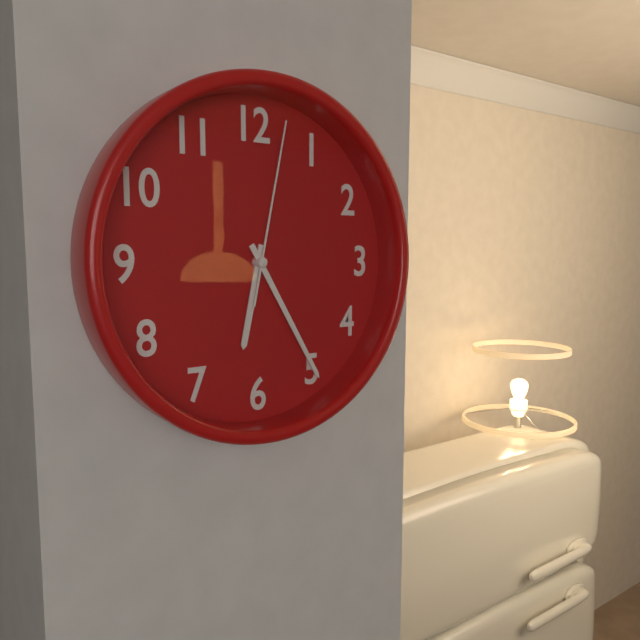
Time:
{"hour": 6, "minute": 25, "second": 2}
